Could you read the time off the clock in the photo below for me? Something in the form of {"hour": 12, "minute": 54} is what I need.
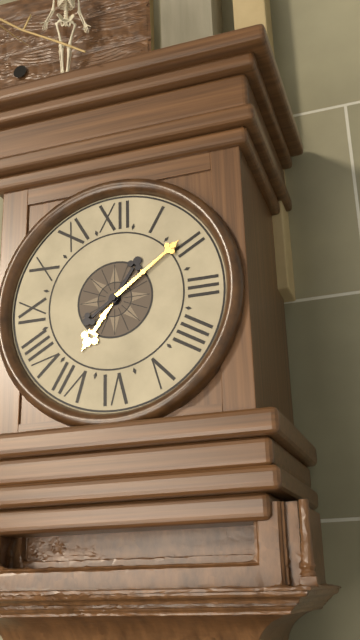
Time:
{"hour": 7, "minute": 9}
